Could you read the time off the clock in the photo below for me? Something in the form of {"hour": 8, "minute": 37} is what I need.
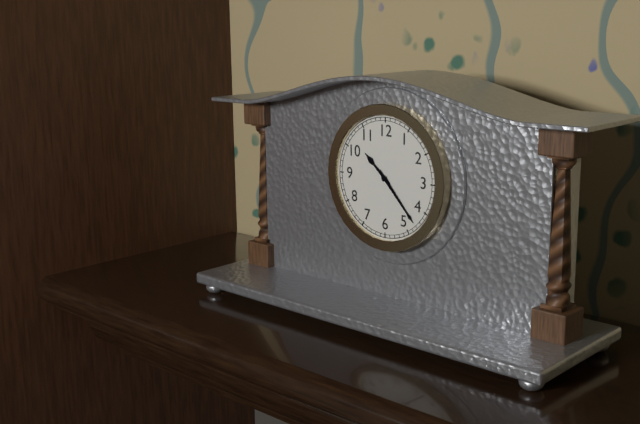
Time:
{"hour": 10, "minute": 23}
